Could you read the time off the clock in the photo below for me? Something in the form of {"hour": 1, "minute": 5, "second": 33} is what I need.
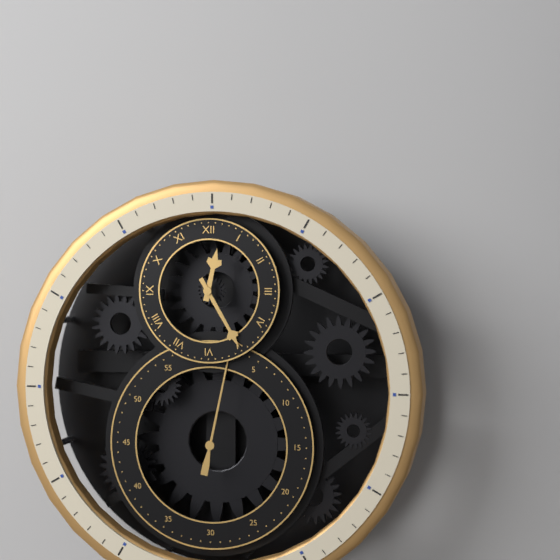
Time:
{"hour": 12, "minute": 25, "second": 2}
